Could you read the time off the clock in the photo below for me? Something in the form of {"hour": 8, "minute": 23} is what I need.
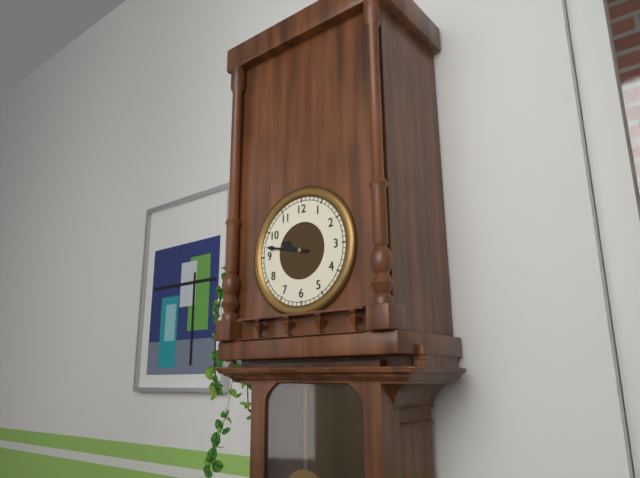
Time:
{"hour": 9, "minute": 47}
